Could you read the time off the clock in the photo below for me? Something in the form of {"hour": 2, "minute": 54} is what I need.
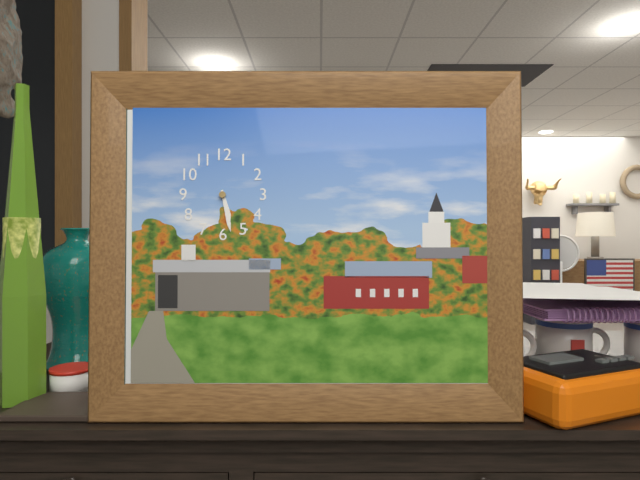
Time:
{"hour": 5, "minute": 28}
